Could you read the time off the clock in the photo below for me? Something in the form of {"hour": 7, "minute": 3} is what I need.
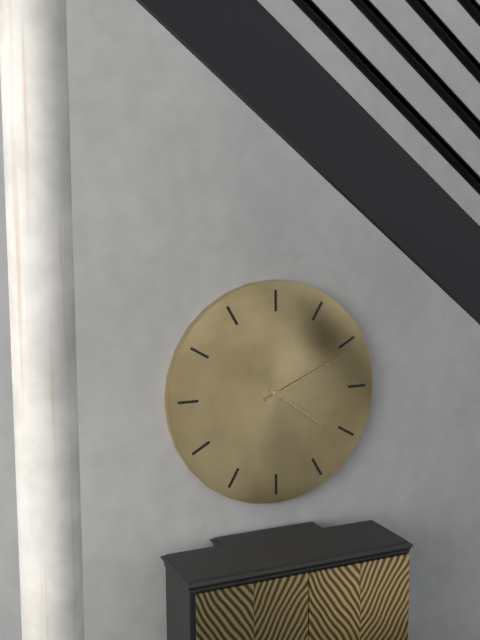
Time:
{"hour": 4, "minute": 11}
